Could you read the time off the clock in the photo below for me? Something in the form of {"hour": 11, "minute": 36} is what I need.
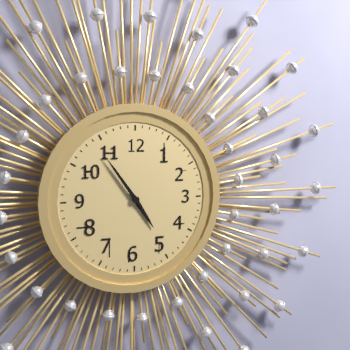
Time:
{"hour": 4, "minute": 54}
